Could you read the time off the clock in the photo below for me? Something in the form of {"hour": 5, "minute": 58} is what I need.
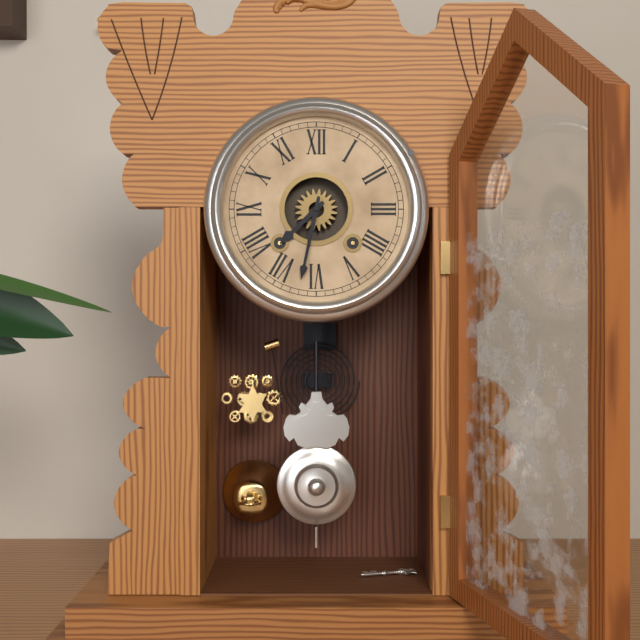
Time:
{"hour": 7, "minute": 32}
